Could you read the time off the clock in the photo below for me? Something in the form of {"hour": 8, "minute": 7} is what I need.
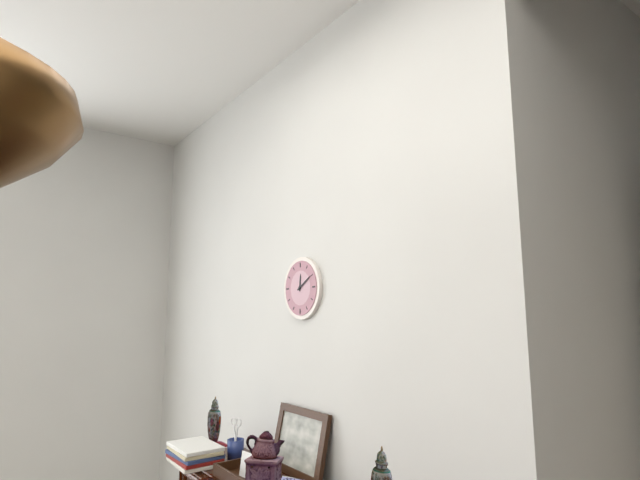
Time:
{"hour": 12, "minute": 10}
